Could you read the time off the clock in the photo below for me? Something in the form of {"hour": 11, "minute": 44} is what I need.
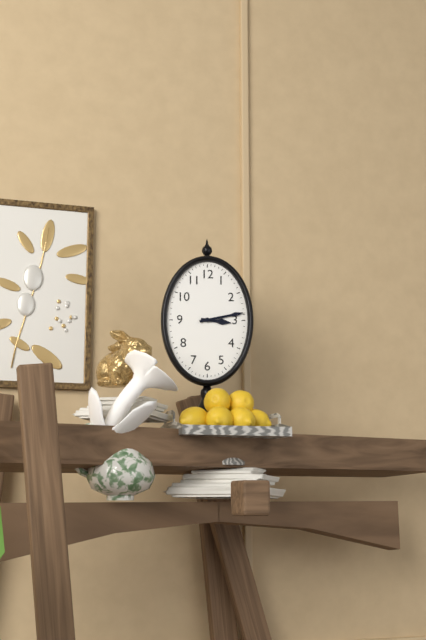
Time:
{"hour": 3, "minute": 13}
